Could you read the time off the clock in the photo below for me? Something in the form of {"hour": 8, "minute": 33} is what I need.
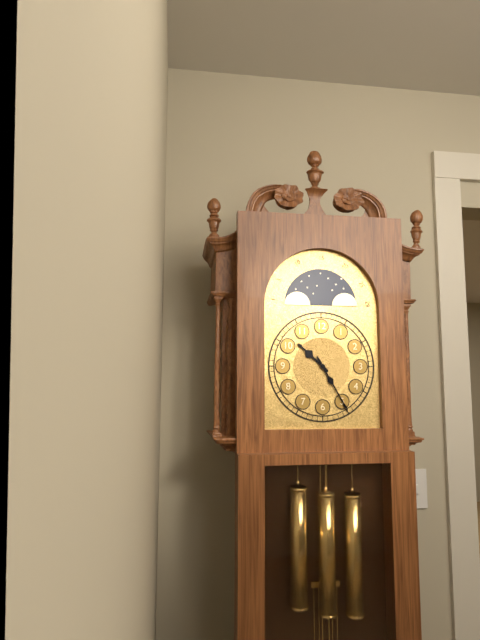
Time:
{"hour": 10, "minute": 25}
